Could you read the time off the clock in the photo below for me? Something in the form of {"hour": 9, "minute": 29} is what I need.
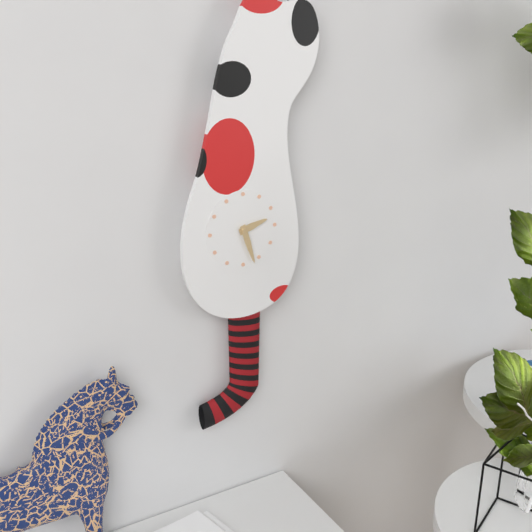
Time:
{"hour": 2, "minute": 27}
